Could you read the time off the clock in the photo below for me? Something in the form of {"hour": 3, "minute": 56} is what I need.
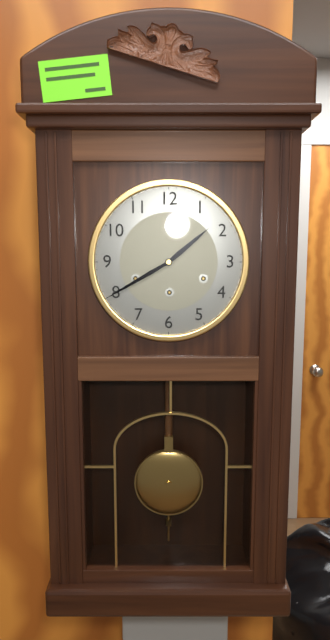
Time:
{"hour": 1, "minute": 40}
